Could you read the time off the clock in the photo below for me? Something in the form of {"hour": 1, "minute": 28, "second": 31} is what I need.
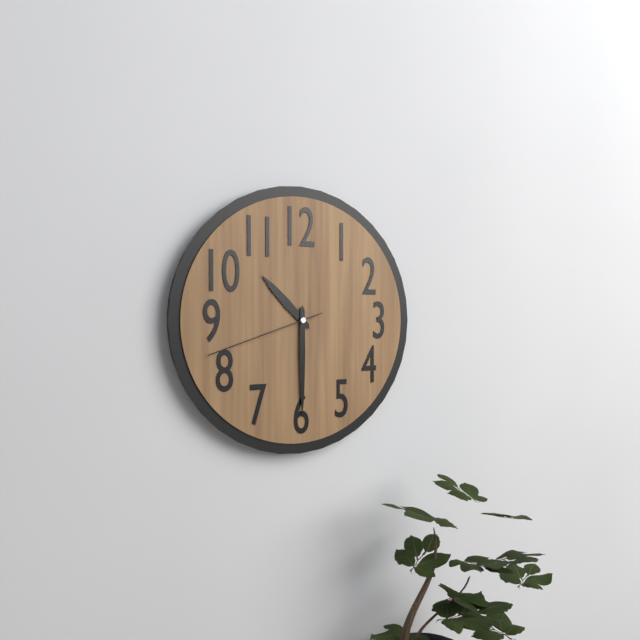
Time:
{"hour": 10, "minute": 30, "second": 42}
